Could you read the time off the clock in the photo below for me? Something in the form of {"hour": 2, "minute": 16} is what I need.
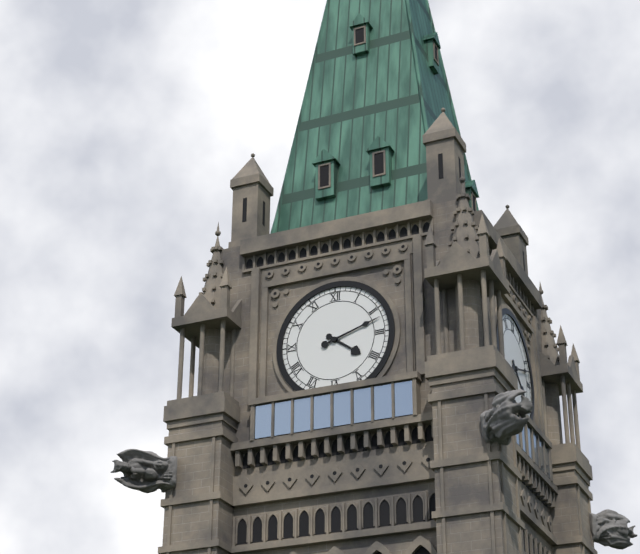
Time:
{"hour": 4, "minute": 12}
